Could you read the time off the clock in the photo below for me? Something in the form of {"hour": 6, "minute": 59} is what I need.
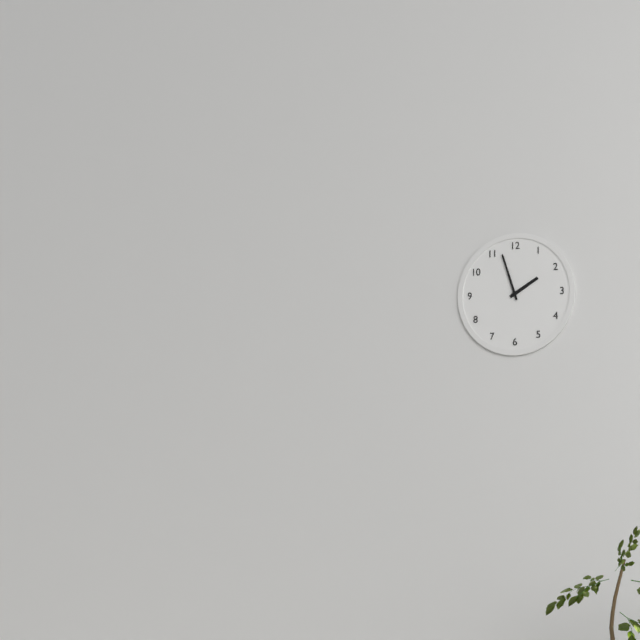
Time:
{"hour": 1, "minute": 57}
